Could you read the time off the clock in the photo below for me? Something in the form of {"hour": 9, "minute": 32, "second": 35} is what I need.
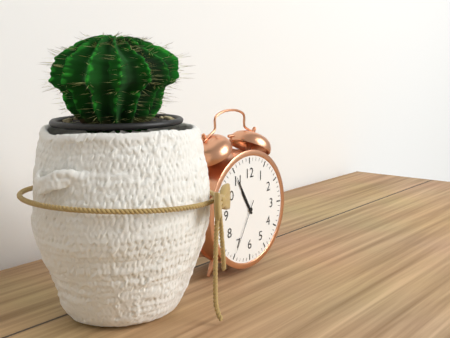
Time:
{"hour": 10, "minute": 55, "second": 35}
